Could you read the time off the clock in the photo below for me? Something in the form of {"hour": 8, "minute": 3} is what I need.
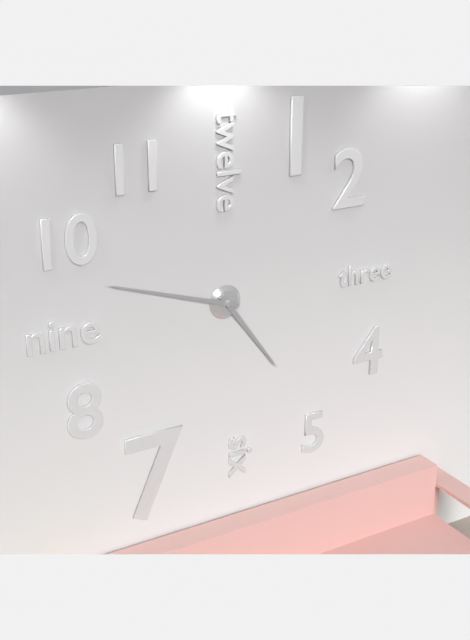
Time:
{"hour": 4, "minute": 48}
